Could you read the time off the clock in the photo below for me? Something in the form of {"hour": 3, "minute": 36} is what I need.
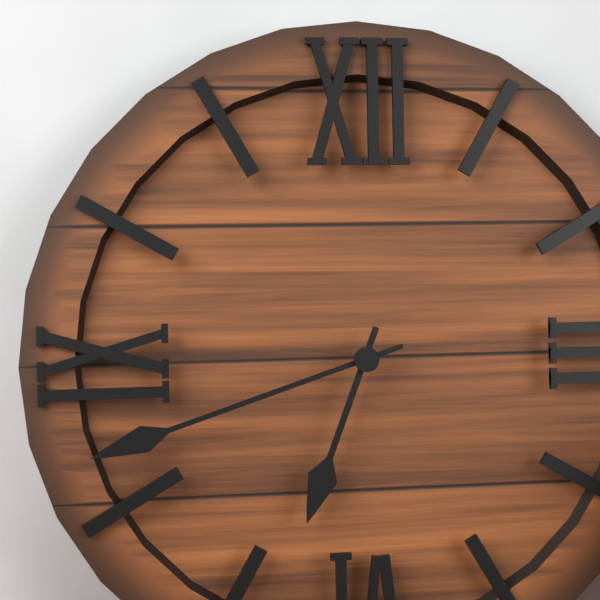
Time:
{"hour": 6, "minute": 42}
